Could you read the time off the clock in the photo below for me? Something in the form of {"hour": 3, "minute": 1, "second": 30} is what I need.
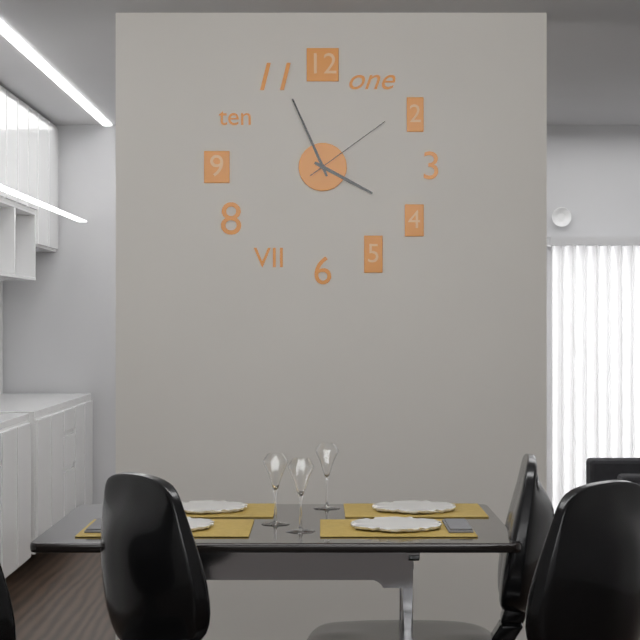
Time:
{"hour": 3, "minute": 56, "second": 9}
